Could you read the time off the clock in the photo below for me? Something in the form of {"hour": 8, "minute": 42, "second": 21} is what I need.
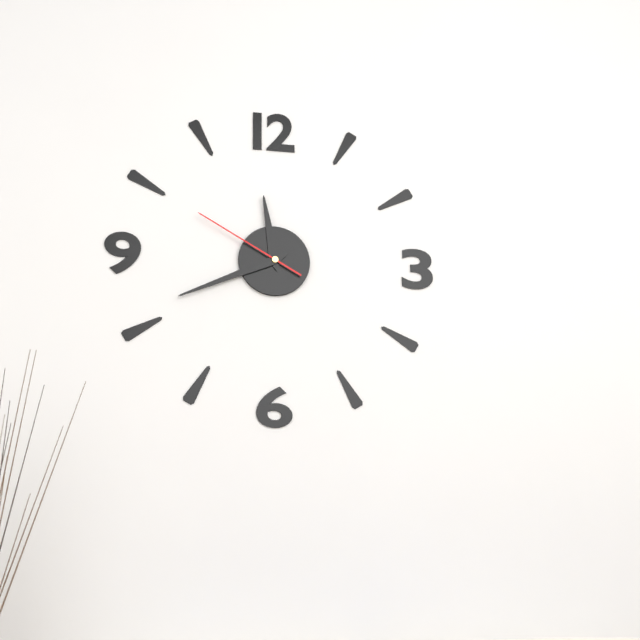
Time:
{"hour": 11, "minute": 41, "second": 50}
